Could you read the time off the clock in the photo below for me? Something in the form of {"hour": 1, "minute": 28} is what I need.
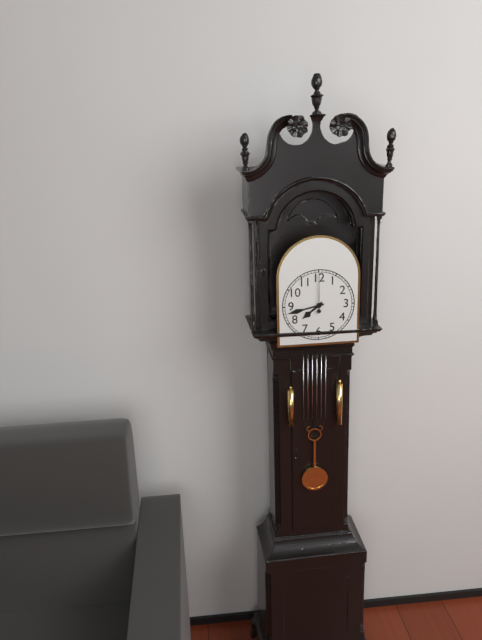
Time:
{"hour": 7, "minute": 43}
